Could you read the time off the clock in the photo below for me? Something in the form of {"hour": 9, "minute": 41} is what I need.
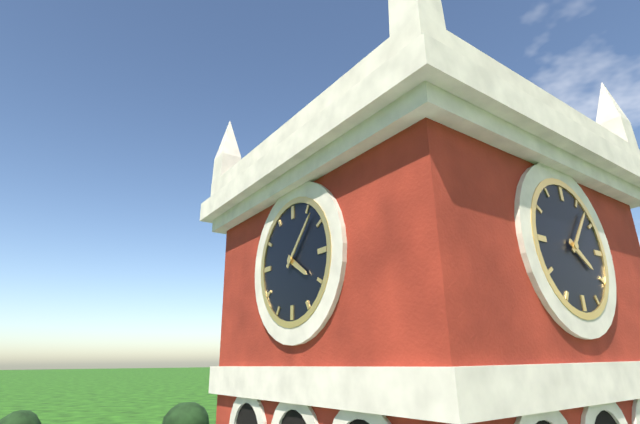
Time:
{"hour": 4, "minute": 7}
